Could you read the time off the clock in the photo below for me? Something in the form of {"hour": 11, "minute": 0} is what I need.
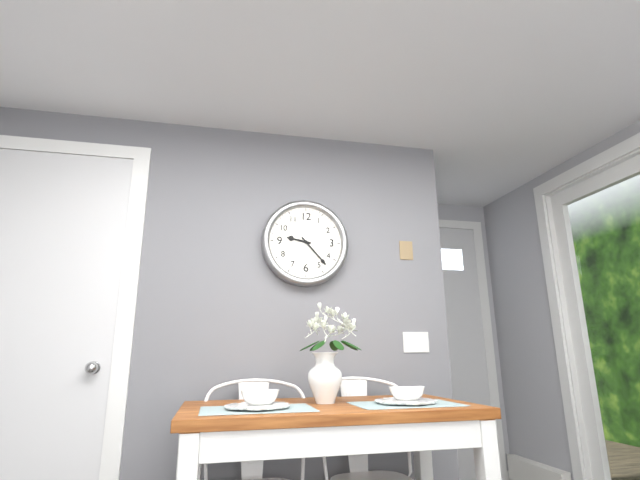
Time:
{"hour": 9, "minute": 23}
